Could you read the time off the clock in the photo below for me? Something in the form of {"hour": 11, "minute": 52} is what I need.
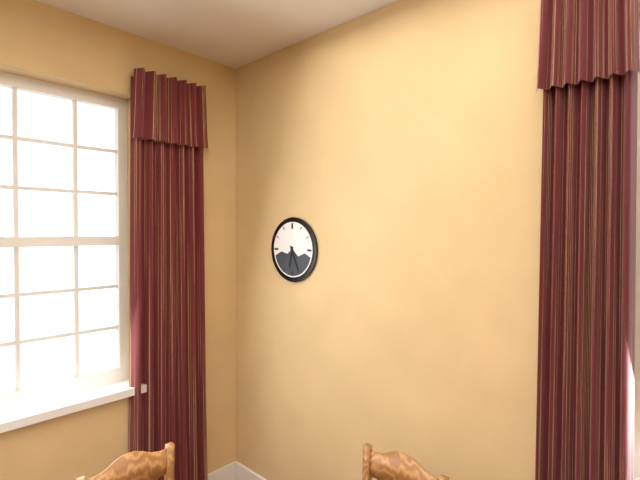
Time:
{"hour": 6, "minute": 26}
